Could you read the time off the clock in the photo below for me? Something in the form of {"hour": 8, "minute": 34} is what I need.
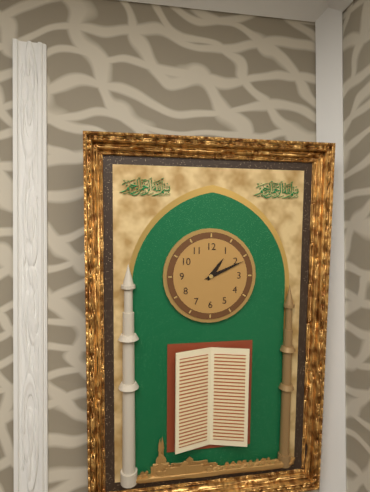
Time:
{"hour": 1, "minute": 11}
